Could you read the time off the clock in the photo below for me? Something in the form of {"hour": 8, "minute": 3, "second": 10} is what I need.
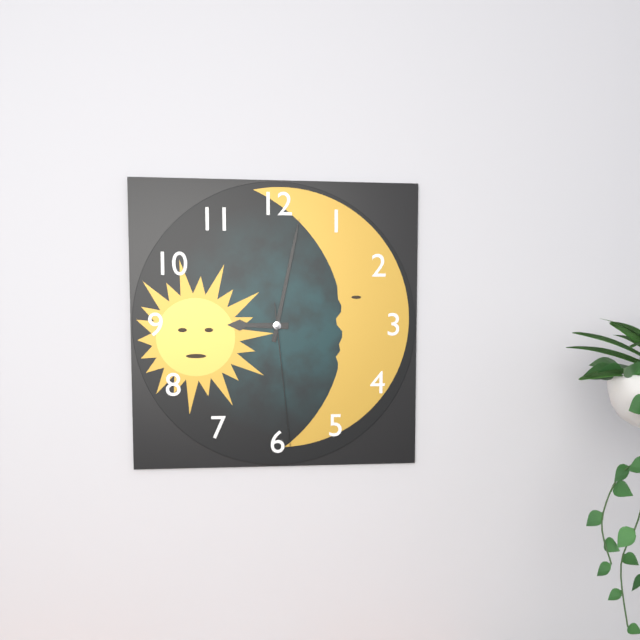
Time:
{"hour": 9, "minute": 2, "second": 29}
